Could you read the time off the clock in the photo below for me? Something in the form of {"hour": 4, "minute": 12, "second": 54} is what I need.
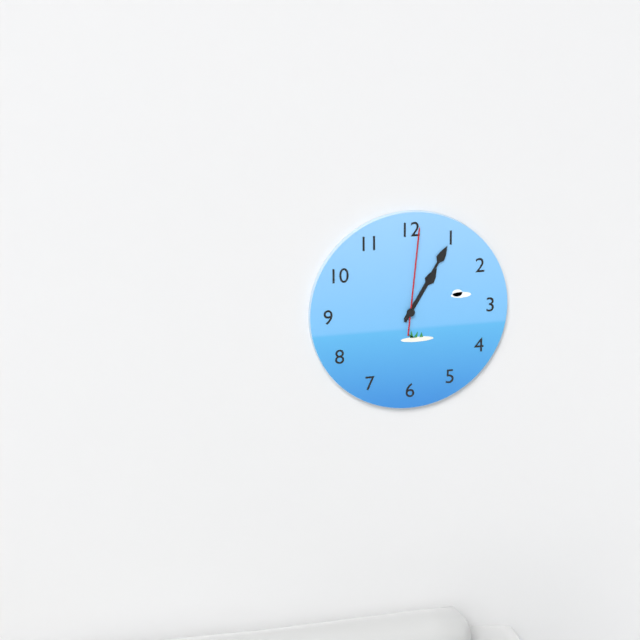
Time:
{"hour": 1, "minute": 5, "second": 1}
